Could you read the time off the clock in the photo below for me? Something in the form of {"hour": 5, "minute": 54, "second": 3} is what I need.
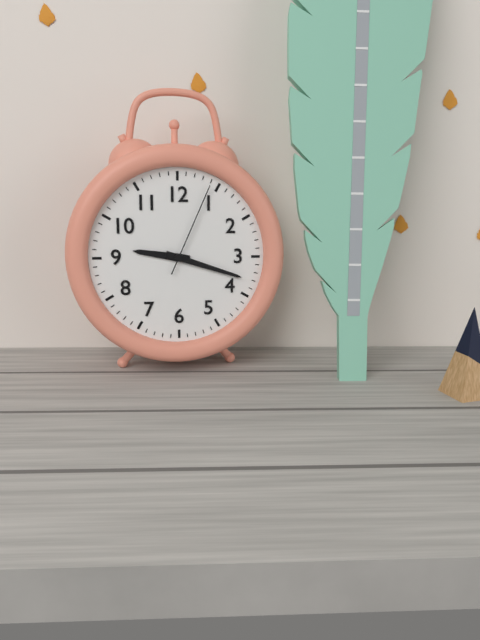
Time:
{"hour": 9, "minute": 18, "second": 4}
